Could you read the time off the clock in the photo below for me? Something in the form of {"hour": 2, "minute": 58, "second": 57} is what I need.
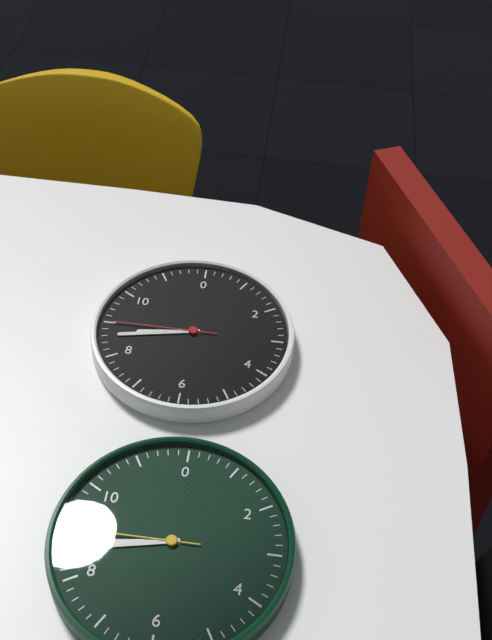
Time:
{"hour": 8, "minute": 43, "second": 45}
